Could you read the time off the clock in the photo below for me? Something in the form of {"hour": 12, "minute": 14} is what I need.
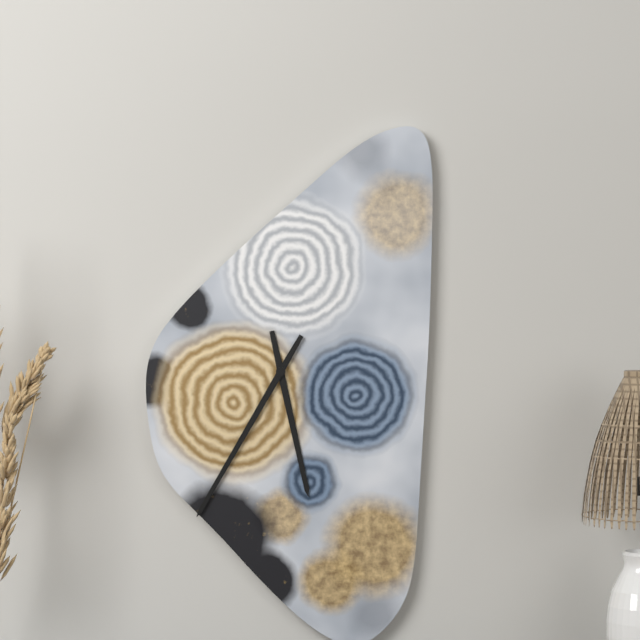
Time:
{"hour": 5, "minute": 35}
